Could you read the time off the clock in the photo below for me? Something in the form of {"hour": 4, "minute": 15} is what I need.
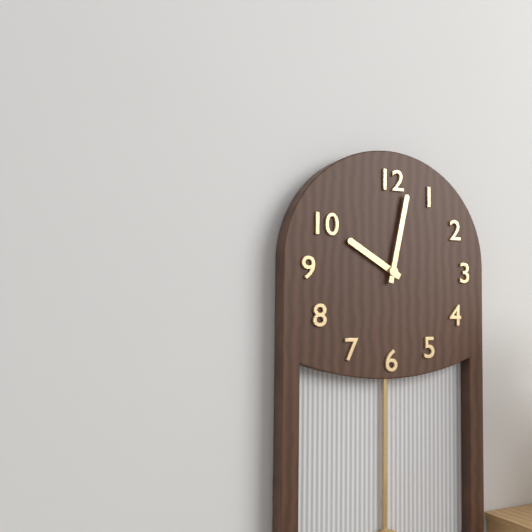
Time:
{"hour": 10, "minute": 2}
